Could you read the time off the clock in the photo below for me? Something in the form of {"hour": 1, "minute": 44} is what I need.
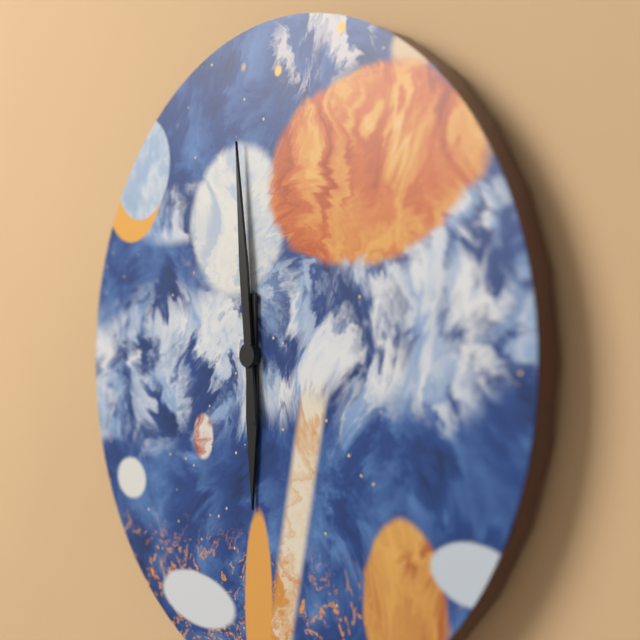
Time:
{"hour": 5, "minute": 59}
